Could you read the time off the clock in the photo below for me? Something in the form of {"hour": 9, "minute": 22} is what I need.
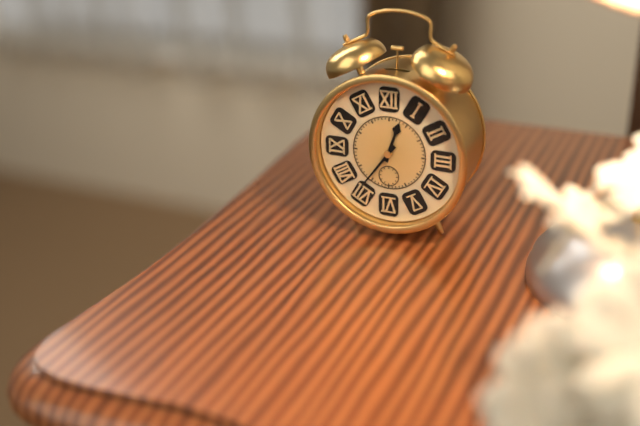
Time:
{"hour": 12, "minute": 36}
